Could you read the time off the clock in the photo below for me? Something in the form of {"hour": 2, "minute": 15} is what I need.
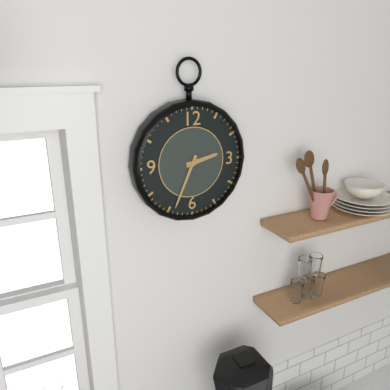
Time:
{"hour": 2, "minute": 34}
